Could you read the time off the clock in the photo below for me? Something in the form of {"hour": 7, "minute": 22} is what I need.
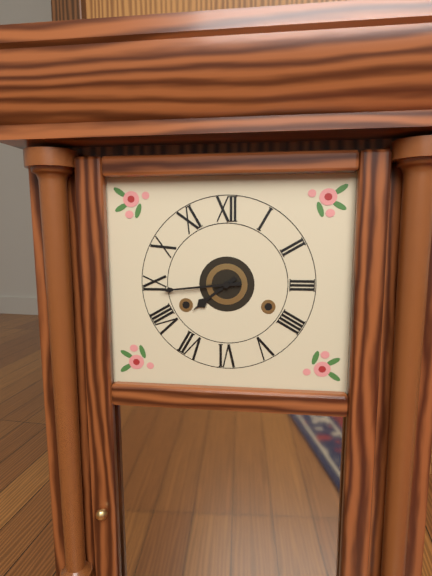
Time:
{"hour": 7, "minute": 44}
